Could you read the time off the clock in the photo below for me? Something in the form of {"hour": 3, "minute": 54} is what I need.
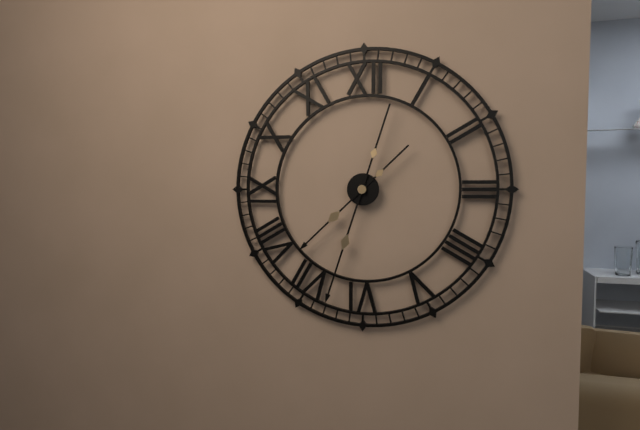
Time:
{"hour": 7, "minute": 33}
